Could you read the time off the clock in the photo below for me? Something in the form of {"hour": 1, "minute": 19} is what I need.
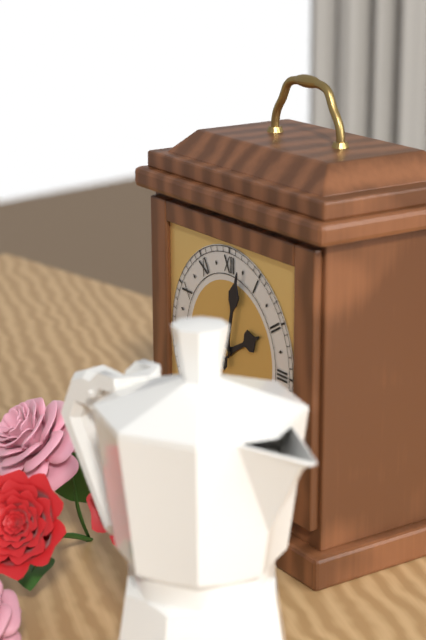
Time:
{"hour": 2, "minute": 2}
